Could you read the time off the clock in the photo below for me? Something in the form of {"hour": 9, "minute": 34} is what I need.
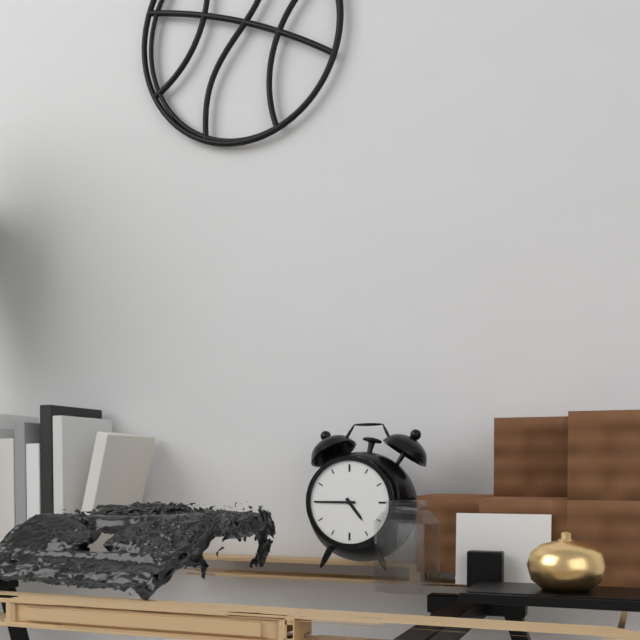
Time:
{"hour": 4, "minute": 45}
